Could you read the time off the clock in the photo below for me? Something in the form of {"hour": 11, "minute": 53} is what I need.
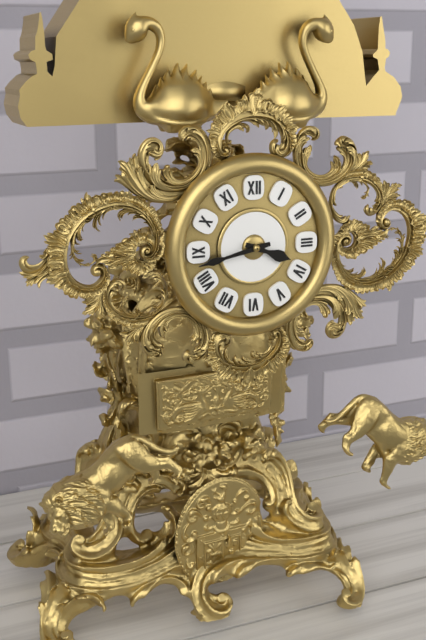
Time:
{"hour": 3, "minute": 43}
